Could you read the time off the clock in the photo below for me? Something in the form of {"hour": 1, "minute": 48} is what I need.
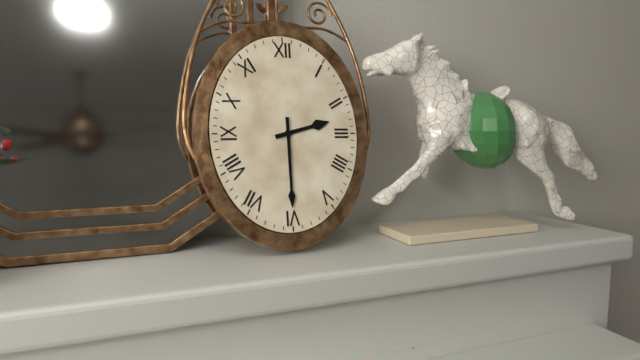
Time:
{"hour": 2, "minute": 30}
